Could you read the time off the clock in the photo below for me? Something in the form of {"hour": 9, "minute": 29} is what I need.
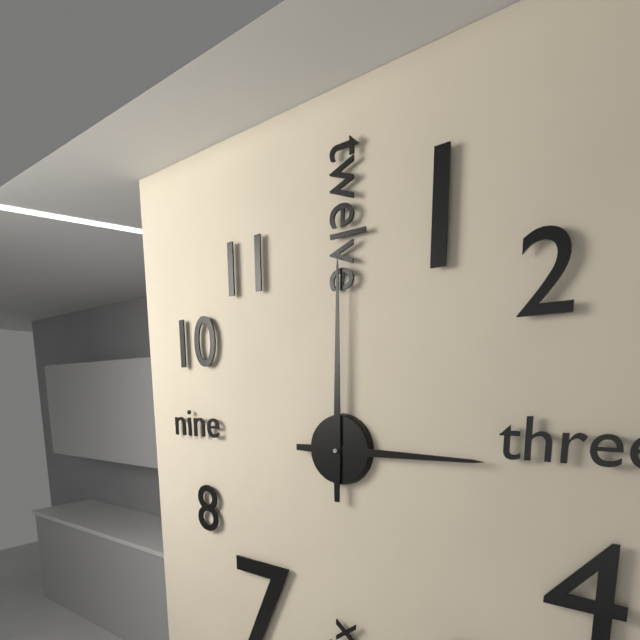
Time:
{"hour": 3, "minute": 0}
